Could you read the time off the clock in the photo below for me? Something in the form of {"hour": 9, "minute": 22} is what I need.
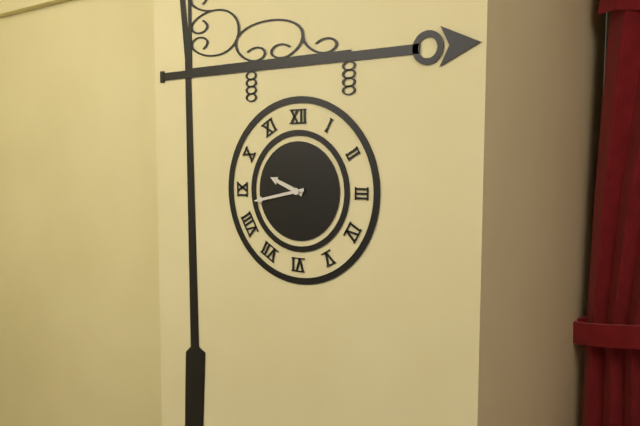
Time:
{"hour": 9, "minute": 43}
